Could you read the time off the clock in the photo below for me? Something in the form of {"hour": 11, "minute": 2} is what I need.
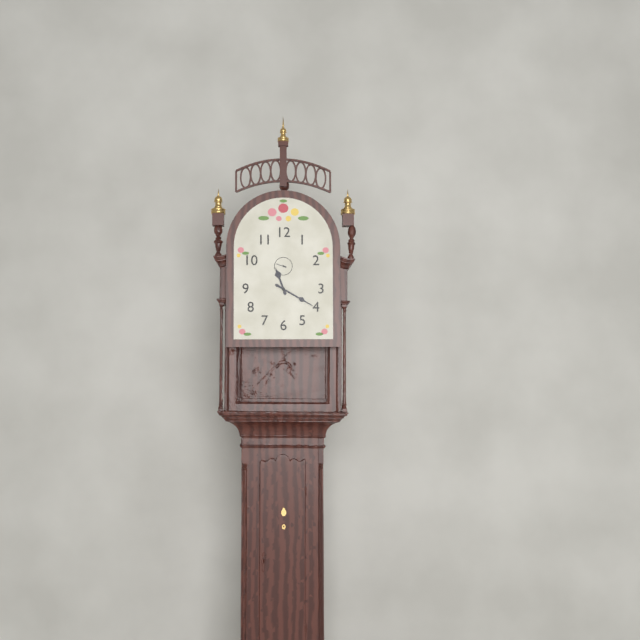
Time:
{"hour": 11, "minute": 20}
